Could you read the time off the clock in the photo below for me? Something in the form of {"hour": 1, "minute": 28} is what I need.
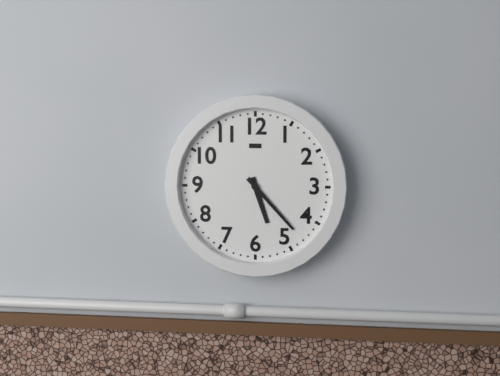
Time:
{"hour": 5, "minute": 23}
